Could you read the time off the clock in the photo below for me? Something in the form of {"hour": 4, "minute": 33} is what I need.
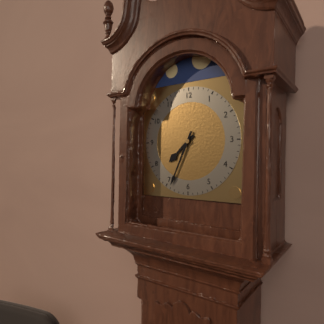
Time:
{"hour": 7, "minute": 34}
